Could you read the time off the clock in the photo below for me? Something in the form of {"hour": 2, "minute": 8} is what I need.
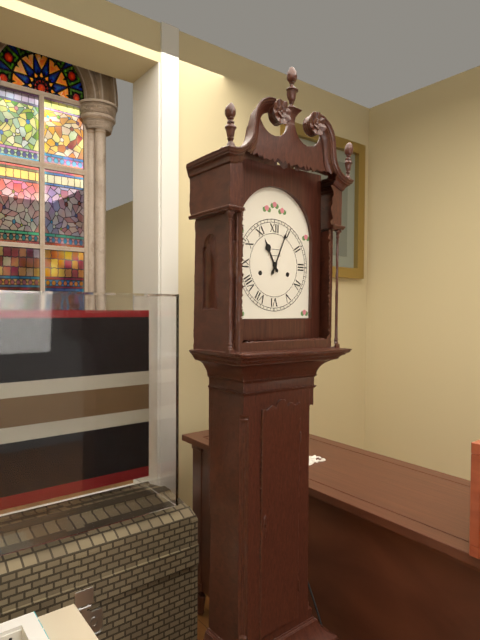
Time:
{"hour": 11, "minute": 4}
